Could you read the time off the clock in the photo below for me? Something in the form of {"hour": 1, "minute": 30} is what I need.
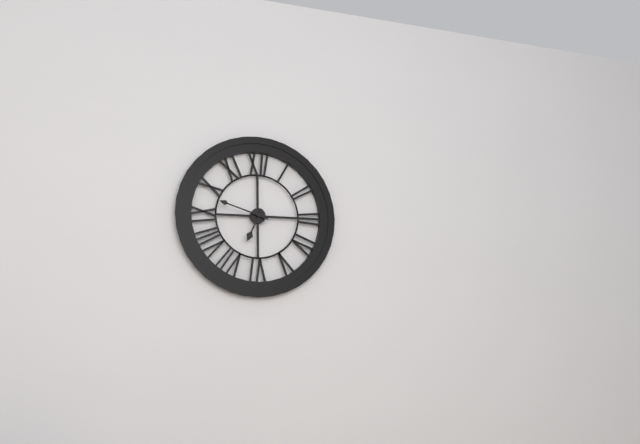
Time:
{"hour": 6, "minute": 48}
